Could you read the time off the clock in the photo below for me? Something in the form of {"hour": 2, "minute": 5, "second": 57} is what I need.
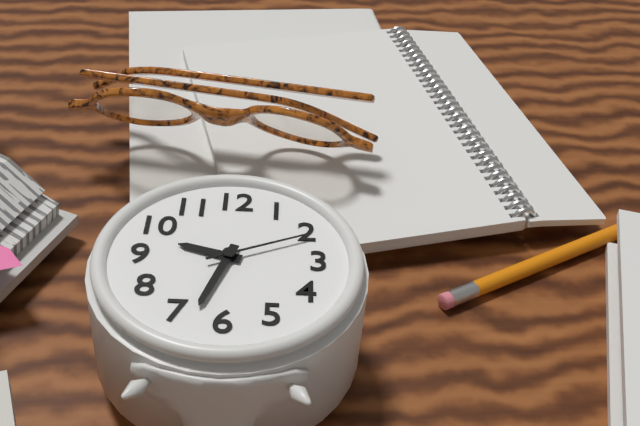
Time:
{"hour": 9, "minute": 33, "second": 11}
